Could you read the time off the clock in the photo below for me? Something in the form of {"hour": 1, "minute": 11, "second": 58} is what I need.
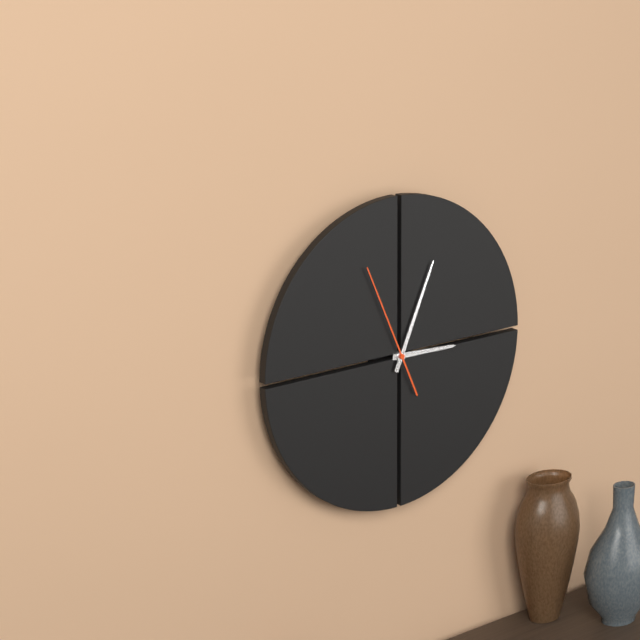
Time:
{"hour": 3, "minute": 4, "second": 56}
